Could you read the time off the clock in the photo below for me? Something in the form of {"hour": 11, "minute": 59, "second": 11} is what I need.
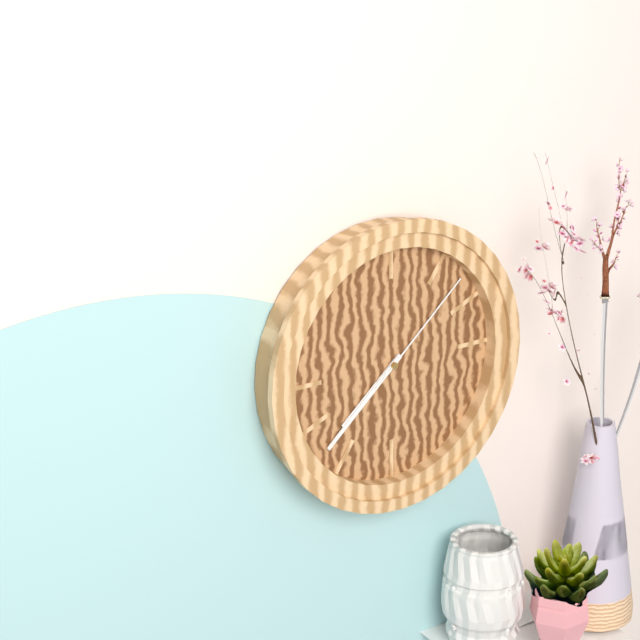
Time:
{"hour": 7, "minute": 38, "second": 8}
